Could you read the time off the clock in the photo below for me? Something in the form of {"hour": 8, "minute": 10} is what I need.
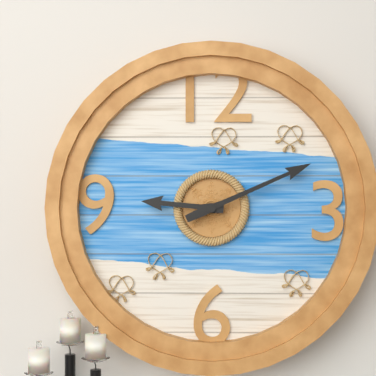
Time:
{"hour": 9, "minute": 11}
